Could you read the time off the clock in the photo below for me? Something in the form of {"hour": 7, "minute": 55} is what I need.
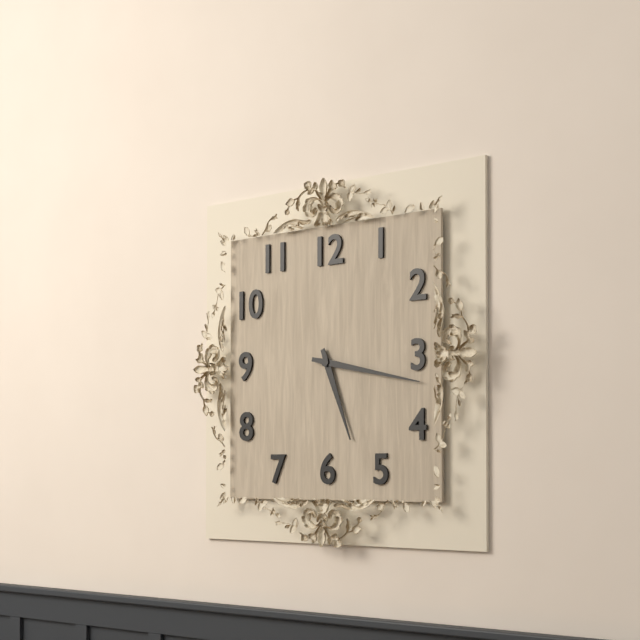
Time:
{"hour": 5, "minute": 17}
